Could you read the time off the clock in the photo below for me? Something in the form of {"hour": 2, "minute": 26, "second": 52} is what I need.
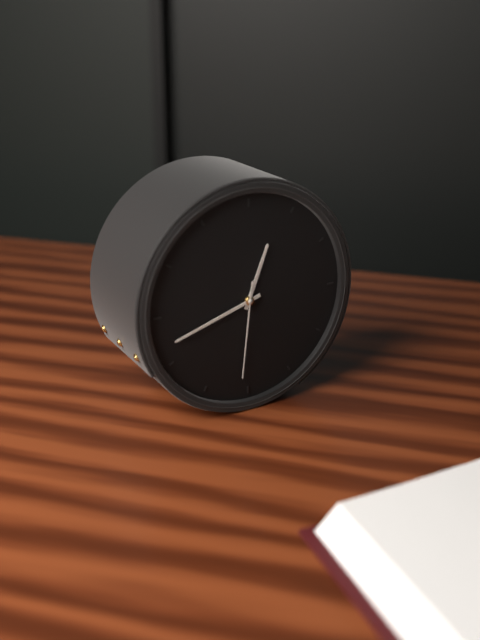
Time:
{"hour": 12, "minute": 42, "second": 31}
